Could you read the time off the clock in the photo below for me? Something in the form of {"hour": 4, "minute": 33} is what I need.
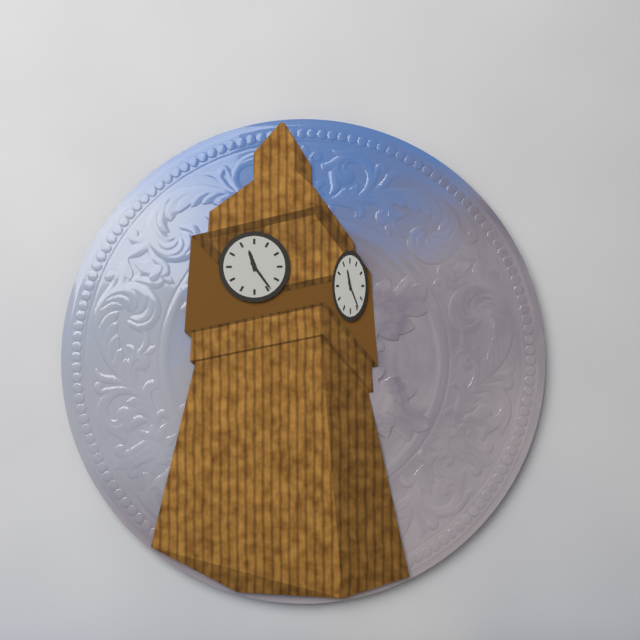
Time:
{"hour": 11, "minute": 24}
